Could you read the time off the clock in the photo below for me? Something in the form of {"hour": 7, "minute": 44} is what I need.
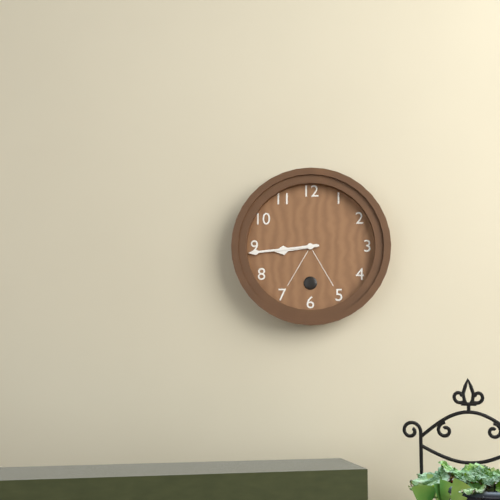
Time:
{"hour": 8, "minute": 44}
